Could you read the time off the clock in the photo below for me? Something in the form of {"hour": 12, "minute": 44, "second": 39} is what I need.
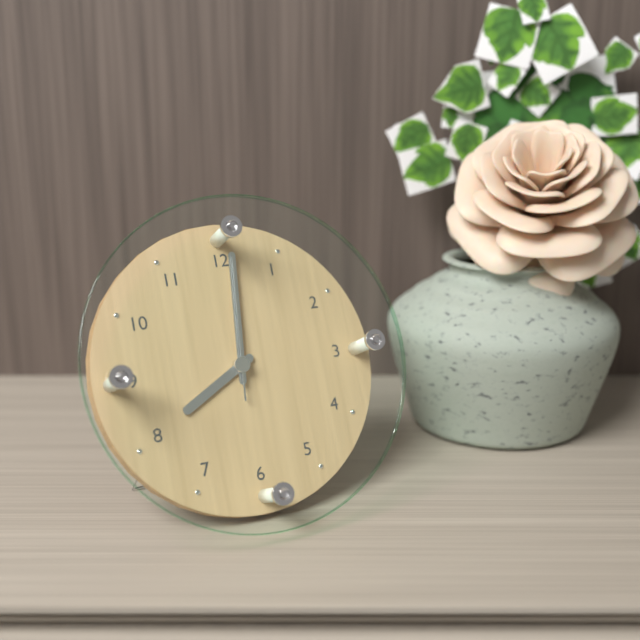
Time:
{"hour": 8, "minute": 1, "second": 1}
